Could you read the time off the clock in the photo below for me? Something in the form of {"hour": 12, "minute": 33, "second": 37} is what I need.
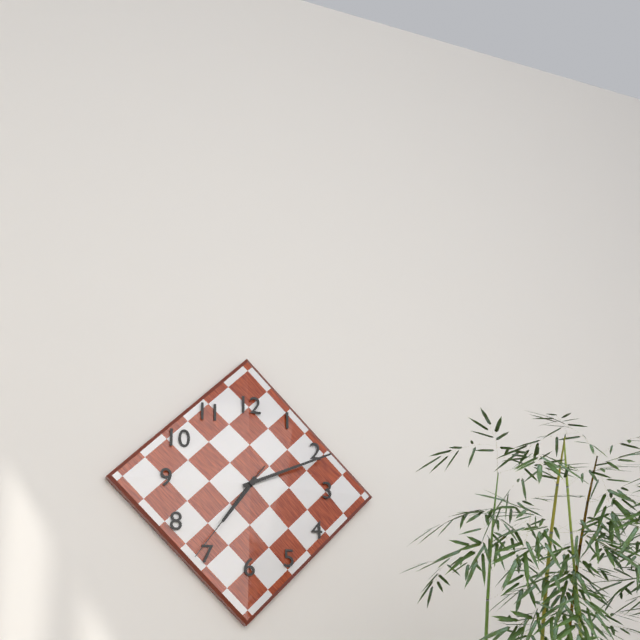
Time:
{"hour": 7, "minute": 11, "second": 36}
